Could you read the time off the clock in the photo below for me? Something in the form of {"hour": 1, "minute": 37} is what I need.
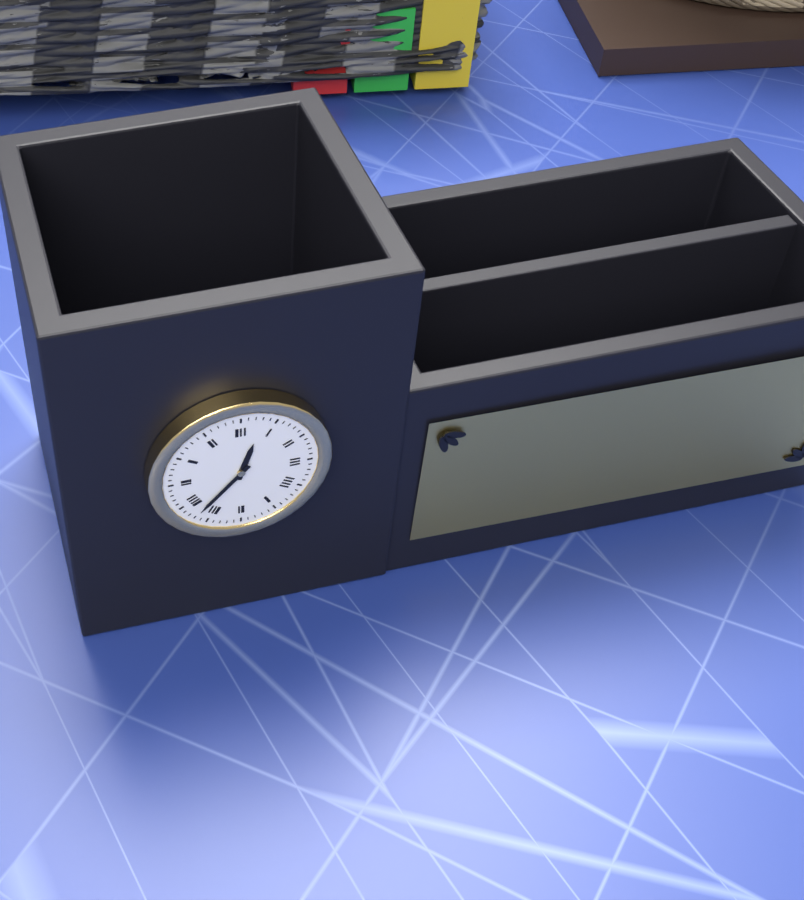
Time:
{"hour": 12, "minute": 37}
